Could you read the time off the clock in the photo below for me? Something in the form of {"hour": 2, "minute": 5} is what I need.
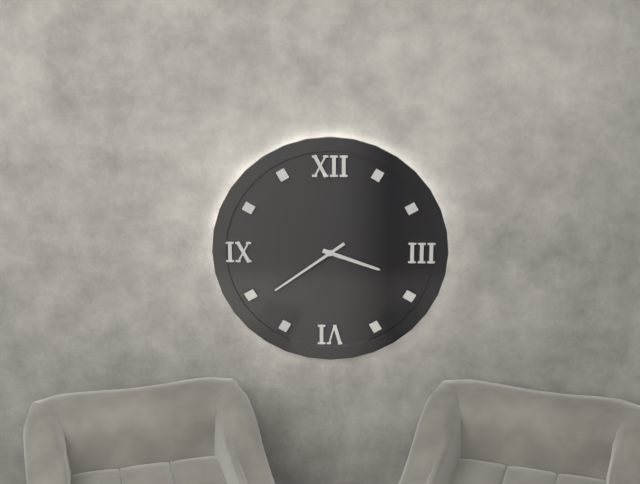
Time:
{"hour": 3, "minute": 39}
